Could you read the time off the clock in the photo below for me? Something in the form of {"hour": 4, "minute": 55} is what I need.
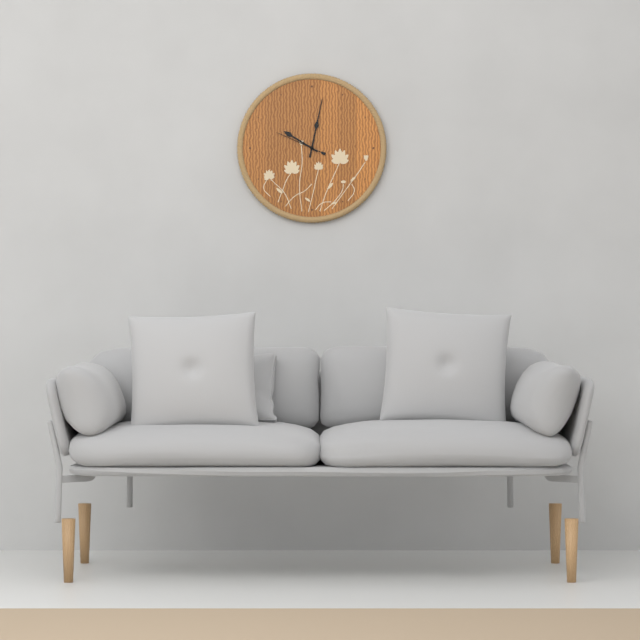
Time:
{"hour": 10, "minute": 2}
